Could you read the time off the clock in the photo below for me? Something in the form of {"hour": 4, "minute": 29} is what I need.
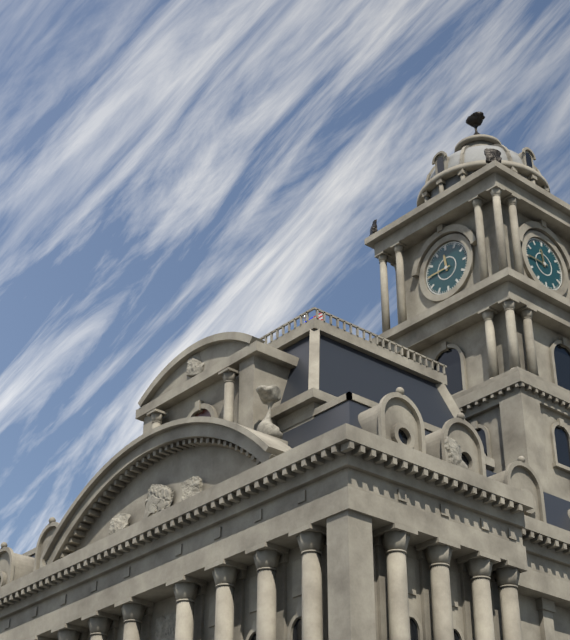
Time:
{"hour": 11, "minute": 45}
